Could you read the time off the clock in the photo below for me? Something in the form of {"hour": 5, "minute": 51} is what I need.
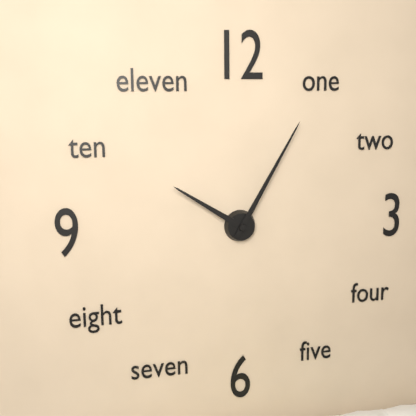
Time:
{"hour": 10, "minute": 5}
